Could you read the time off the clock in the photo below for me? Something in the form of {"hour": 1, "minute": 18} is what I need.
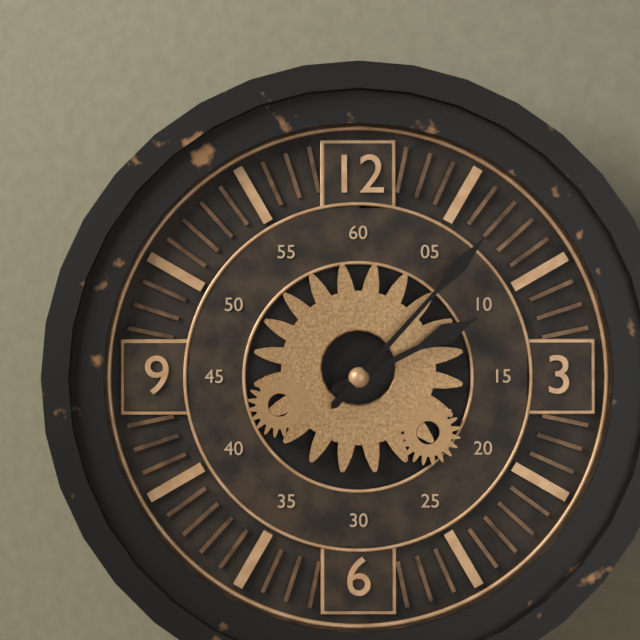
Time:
{"hour": 2, "minute": 7}
